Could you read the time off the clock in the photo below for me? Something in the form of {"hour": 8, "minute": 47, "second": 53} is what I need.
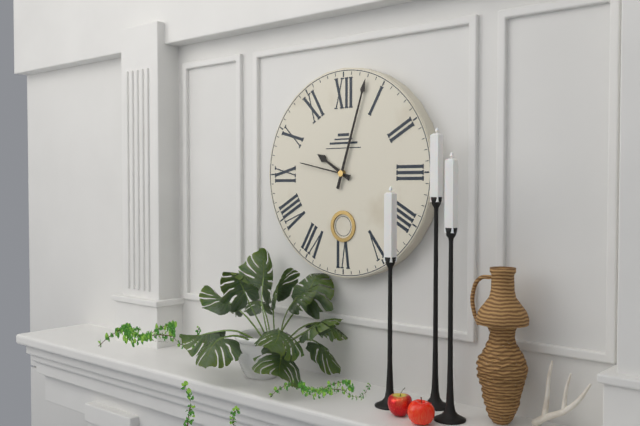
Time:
{"hour": 10, "minute": 3, "second": 47}
